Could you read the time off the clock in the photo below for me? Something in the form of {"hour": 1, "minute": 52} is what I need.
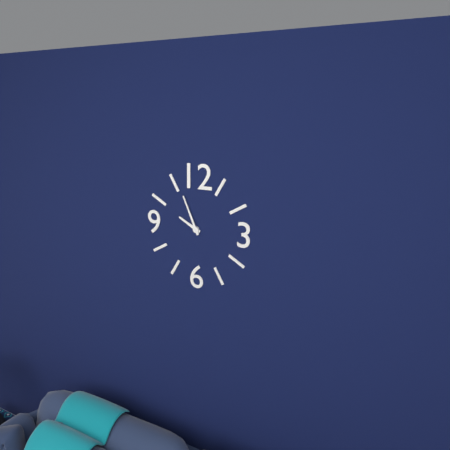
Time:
{"hour": 9, "minute": 56}
